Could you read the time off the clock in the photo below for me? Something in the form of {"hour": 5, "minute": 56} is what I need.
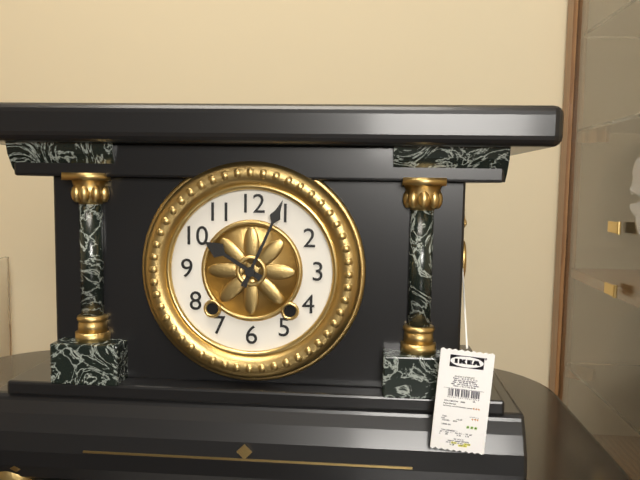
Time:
{"hour": 10, "minute": 4}
